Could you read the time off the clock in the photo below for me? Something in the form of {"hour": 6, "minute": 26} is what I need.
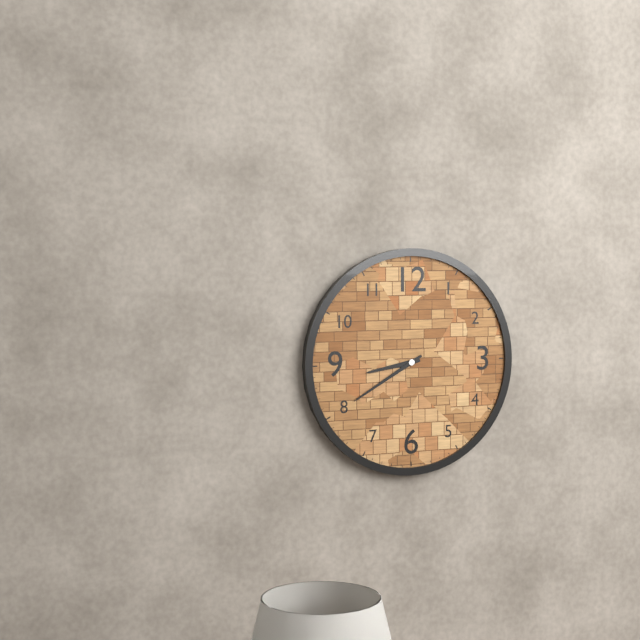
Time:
{"hour": 8, "minute": 40}
